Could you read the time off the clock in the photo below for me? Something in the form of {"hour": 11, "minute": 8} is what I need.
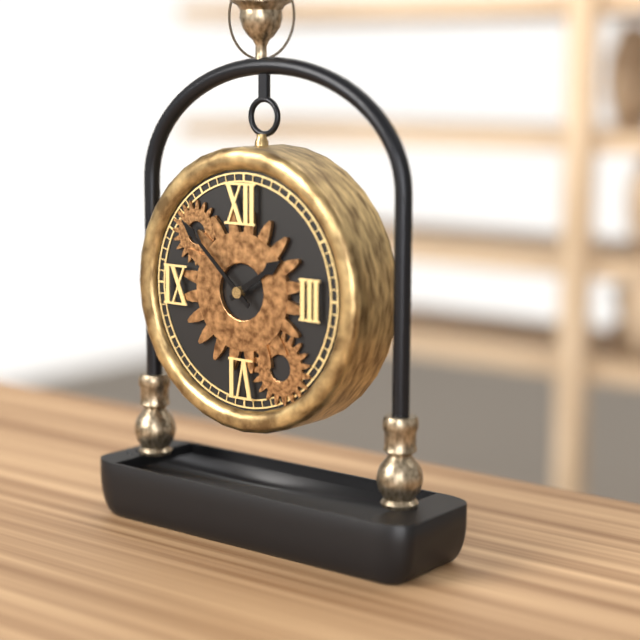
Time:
{"hour": 1, "minute": 52}
